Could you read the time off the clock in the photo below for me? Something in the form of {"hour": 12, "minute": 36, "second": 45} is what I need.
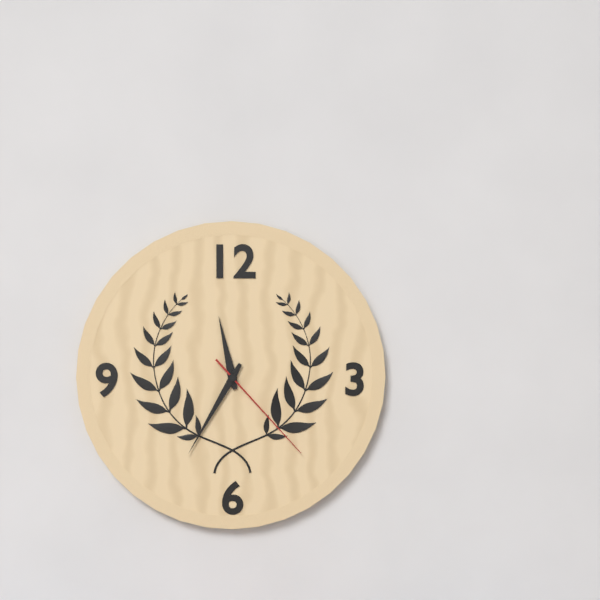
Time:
{"hour": 11, "minute": 35, "second": 23}
